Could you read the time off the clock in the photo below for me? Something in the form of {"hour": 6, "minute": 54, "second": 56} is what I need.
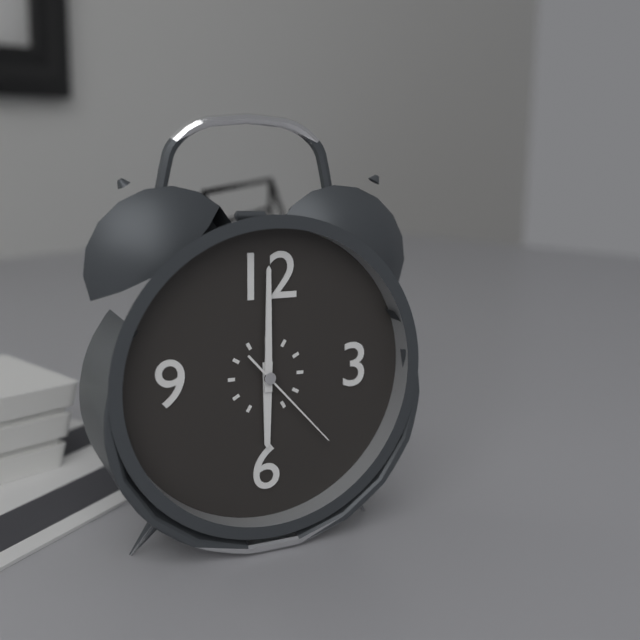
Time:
{"hour": 6, "minute": 0, "second": 23}
